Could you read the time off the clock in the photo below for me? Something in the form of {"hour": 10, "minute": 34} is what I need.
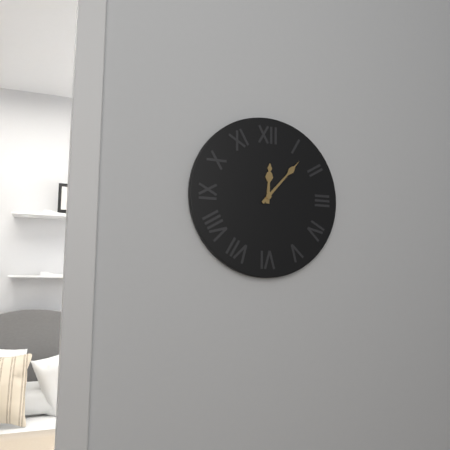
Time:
{"hour": 12, "minute": 7}
